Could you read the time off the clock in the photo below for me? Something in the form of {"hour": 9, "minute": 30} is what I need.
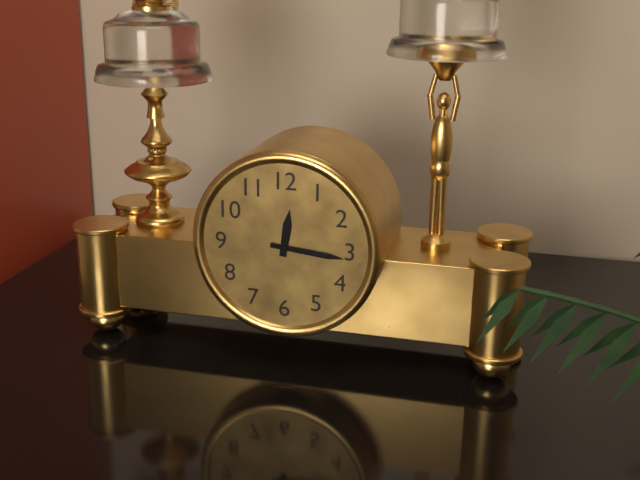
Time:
{"hour": 12, "minute": 16}
